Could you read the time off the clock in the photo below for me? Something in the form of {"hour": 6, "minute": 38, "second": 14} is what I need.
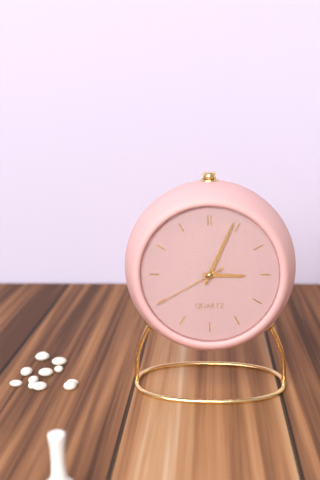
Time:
{"hour": 3, "minute": 4, "second": 40}
